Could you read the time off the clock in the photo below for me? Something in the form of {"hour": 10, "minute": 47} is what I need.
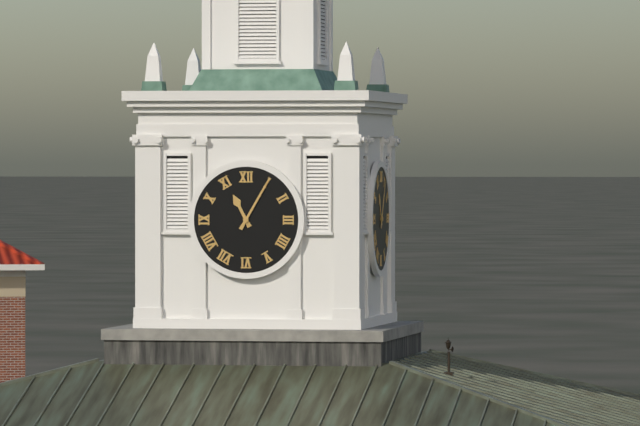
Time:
{"hour": 11, "minute": 5}
